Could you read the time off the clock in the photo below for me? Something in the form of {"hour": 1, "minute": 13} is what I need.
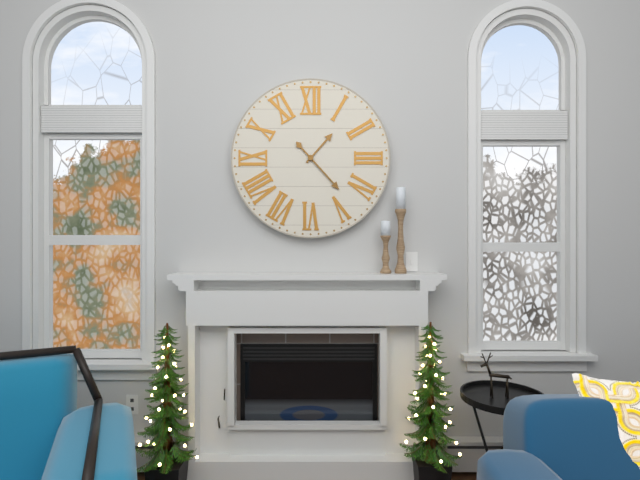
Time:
{"hour": 1, "minute": 23}
